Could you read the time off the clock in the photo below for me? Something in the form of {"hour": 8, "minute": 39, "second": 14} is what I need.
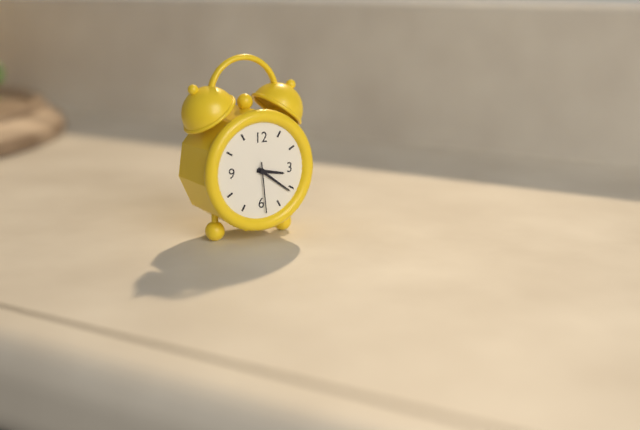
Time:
{"hour": 3, "minute": 21, "second": 29}
